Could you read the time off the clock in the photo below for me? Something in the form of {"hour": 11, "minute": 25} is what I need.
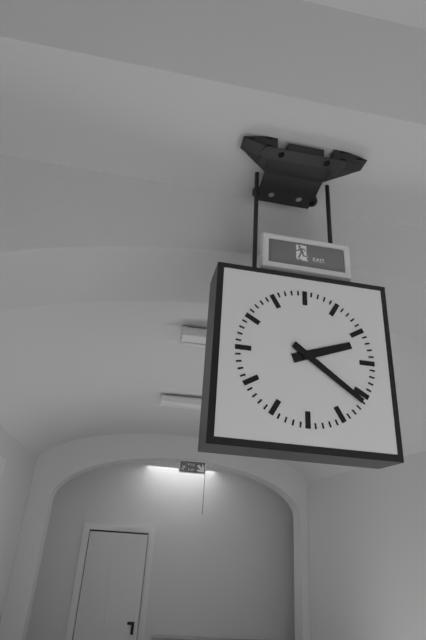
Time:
{"hour": 2, "minute": 21}
